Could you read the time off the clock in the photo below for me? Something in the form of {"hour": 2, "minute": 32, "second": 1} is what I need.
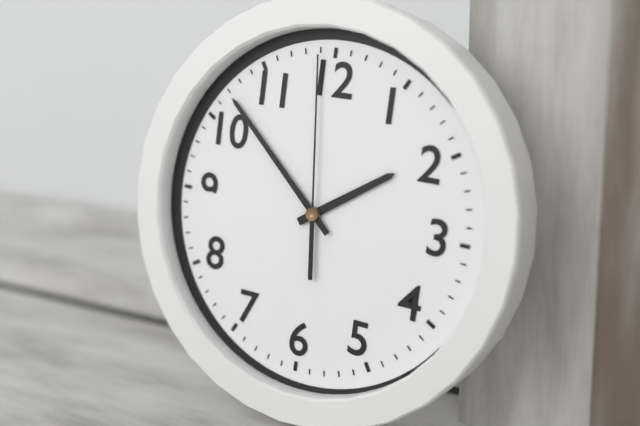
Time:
{"hour": 1, "minute": 52, "second": 59}
